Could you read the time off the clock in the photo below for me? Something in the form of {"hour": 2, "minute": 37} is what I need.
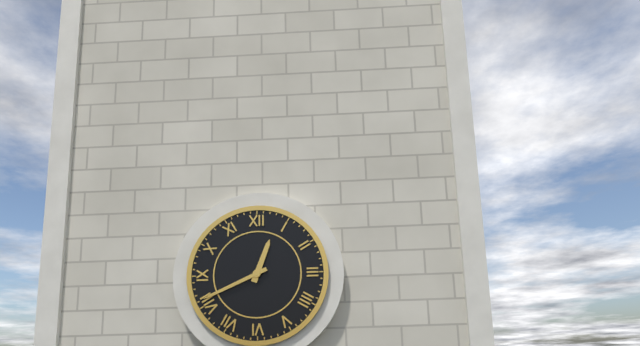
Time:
{"hour": 12, "minute": 41}
